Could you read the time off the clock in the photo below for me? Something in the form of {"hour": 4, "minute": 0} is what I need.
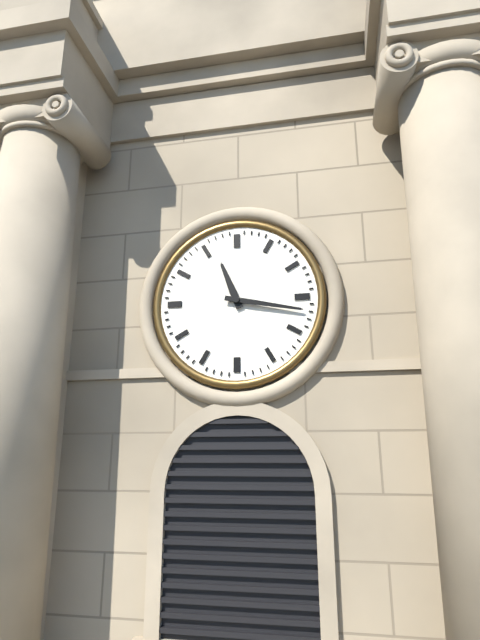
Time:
{"hour": 11, "minute": 17}
